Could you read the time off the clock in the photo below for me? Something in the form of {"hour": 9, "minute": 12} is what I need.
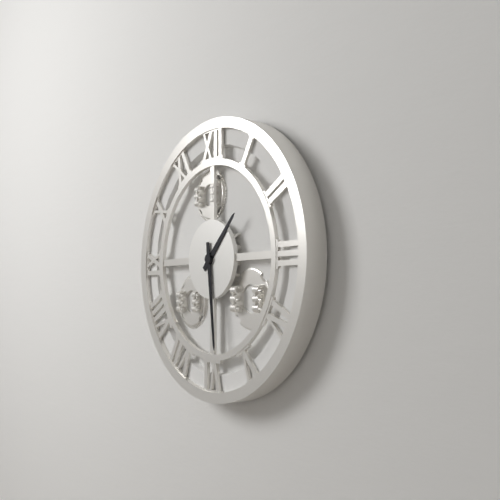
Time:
{"hour": 1, "minute": 29}
